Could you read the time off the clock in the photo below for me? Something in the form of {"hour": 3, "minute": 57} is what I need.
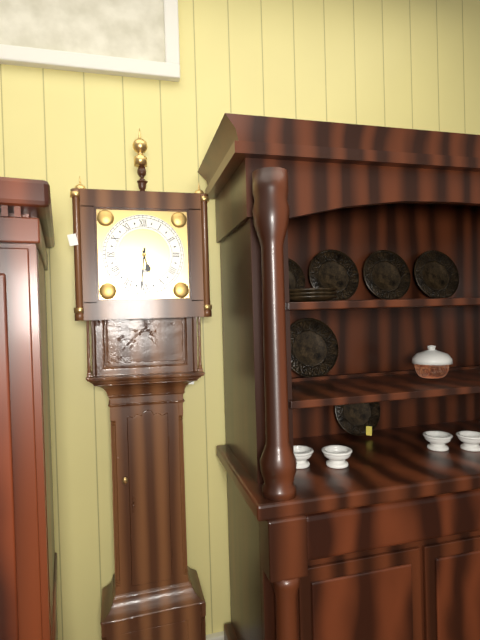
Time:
{"hour": 5, "minute": 31}
